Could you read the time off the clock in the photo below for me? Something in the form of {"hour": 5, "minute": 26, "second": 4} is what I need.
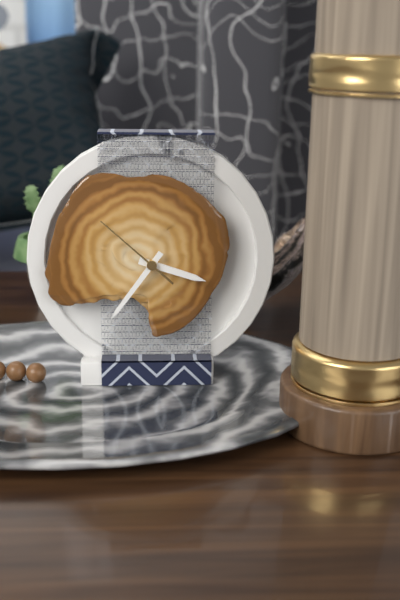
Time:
{"hour": 3, "minute": 36, "second": 52}
